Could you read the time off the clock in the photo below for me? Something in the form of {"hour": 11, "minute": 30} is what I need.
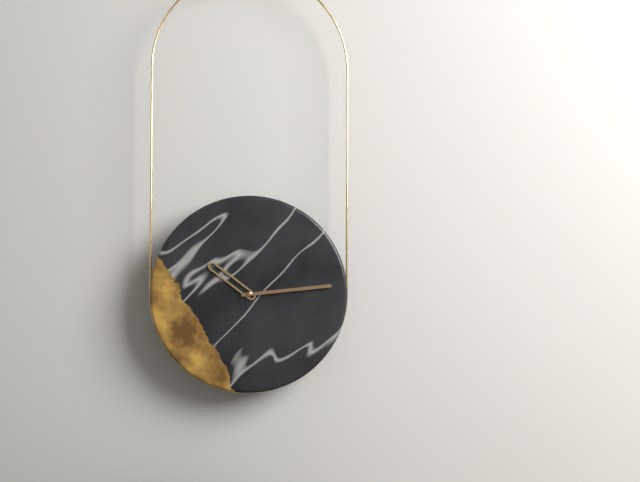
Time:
{"hour": 10, "minute": 14}
